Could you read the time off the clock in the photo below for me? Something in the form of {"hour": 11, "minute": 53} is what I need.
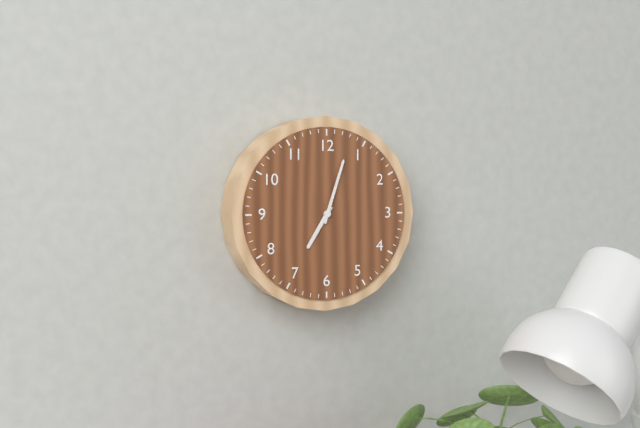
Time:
{"hour": 7, "minute": 3}
